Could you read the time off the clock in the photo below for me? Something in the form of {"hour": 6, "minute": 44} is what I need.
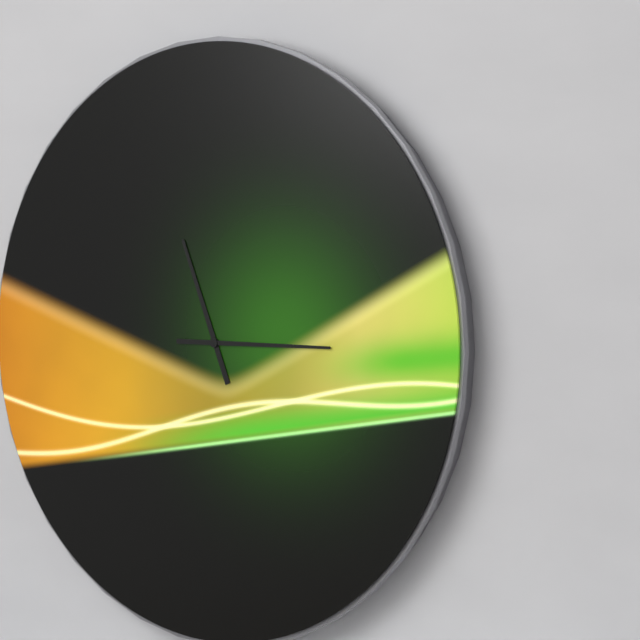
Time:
{"hour": 11, "minute": 15}
